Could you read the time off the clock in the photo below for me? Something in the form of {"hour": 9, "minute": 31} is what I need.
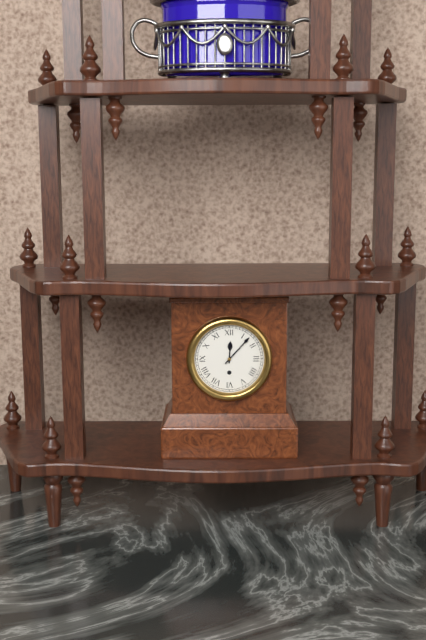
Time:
{"hour": 12, "minute": 7}
